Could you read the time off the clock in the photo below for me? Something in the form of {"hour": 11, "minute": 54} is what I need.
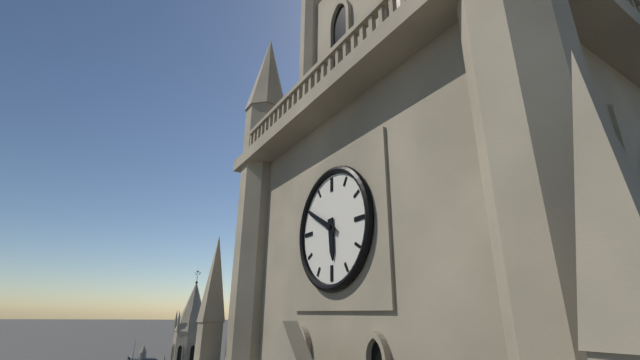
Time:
{"hour": 5, "minute": 50}
